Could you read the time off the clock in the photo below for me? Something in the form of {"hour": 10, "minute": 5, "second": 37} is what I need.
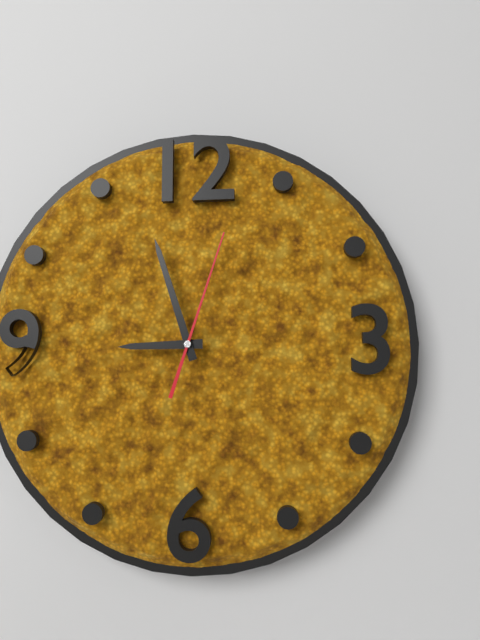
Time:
{"hour": 8, "minute": 57, "second": 3}
